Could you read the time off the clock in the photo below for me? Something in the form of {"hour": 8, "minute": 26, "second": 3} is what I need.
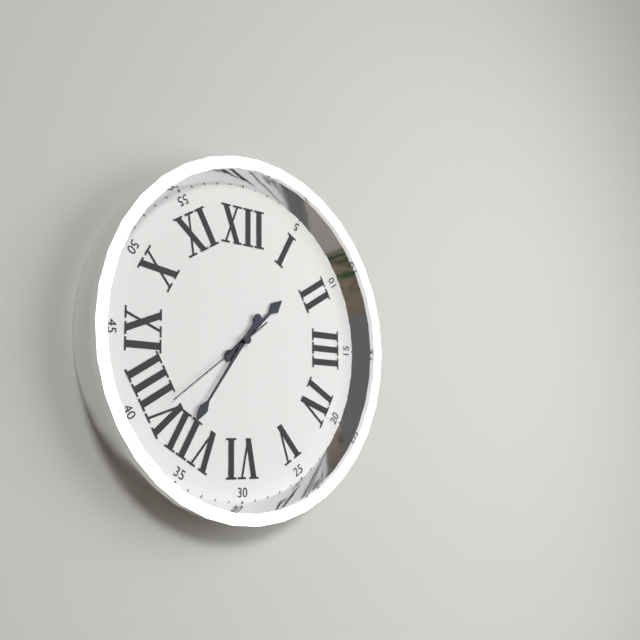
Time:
{"hour": 1, "minute": 36, "second": 39}
